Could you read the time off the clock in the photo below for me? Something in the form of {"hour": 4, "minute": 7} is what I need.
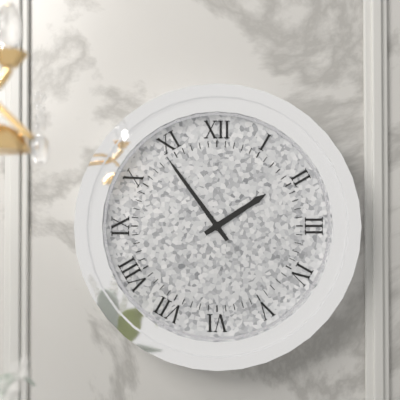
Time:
{"hour": 1, "minute": 54}
